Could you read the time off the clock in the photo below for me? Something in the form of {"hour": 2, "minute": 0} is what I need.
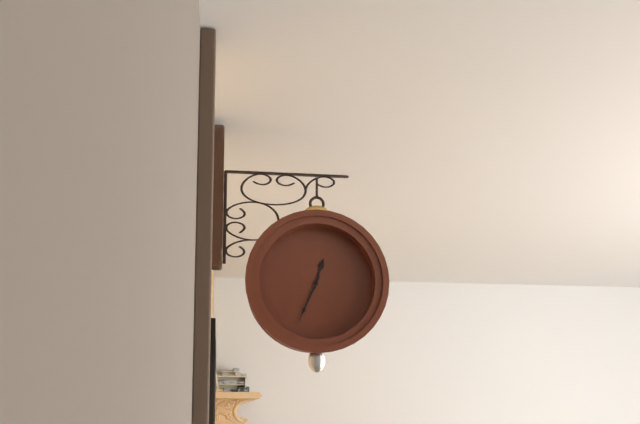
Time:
{"hour": 12, "minute": 34}
